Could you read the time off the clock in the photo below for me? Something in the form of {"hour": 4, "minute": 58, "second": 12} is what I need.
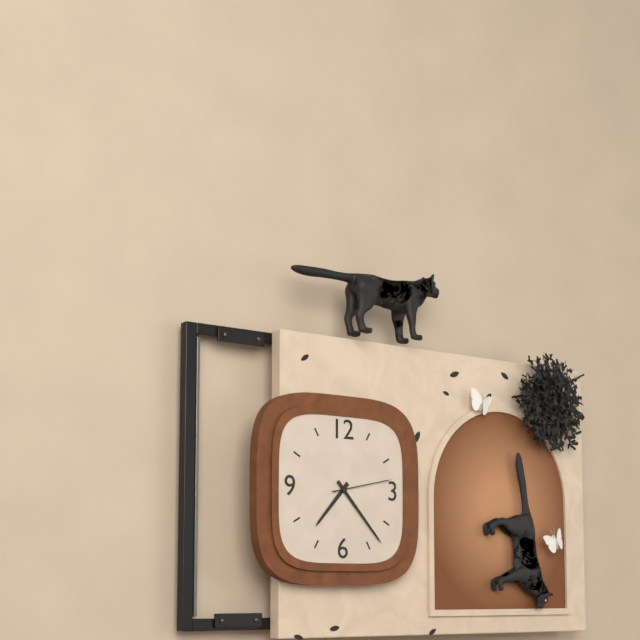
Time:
{"hour": 7, "minute": 23, "second": 13}
